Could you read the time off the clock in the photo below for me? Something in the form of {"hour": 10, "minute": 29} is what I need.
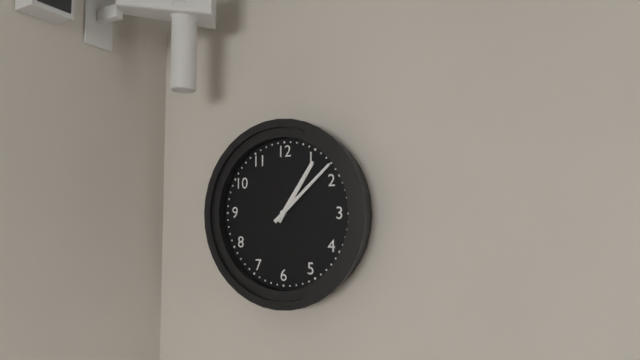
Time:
{"hour": 1, "minute": 8}
